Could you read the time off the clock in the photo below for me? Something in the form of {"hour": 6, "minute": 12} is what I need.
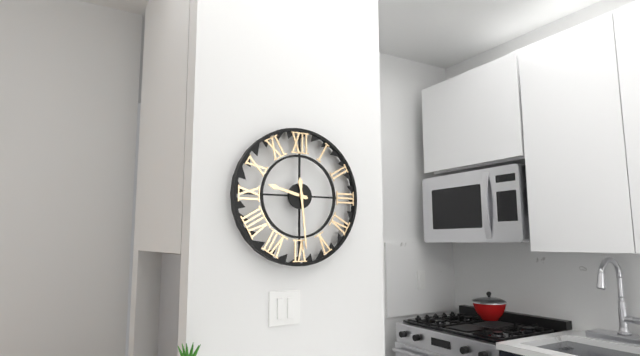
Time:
{"hour": 9, "minute": 29}
